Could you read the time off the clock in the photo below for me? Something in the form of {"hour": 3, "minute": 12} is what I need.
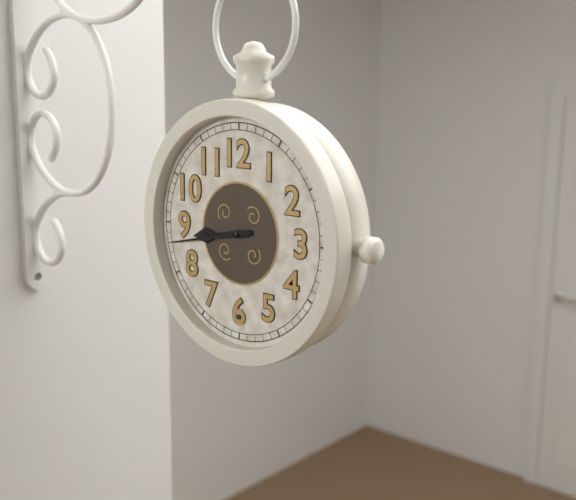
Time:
{"hour": 8, "minute": 43}
